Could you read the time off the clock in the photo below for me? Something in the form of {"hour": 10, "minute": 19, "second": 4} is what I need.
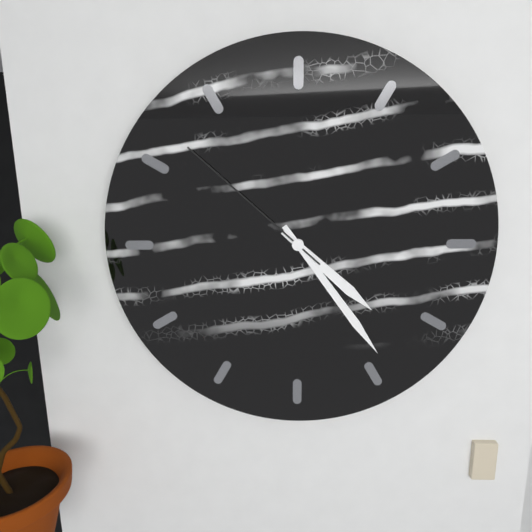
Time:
{"hour": 4, "minute": 24, "second": 52}
